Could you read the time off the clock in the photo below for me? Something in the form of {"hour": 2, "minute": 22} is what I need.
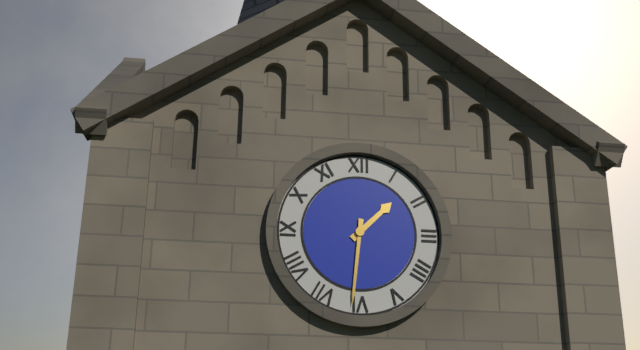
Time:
{"hour": 1, "minute": 31}
